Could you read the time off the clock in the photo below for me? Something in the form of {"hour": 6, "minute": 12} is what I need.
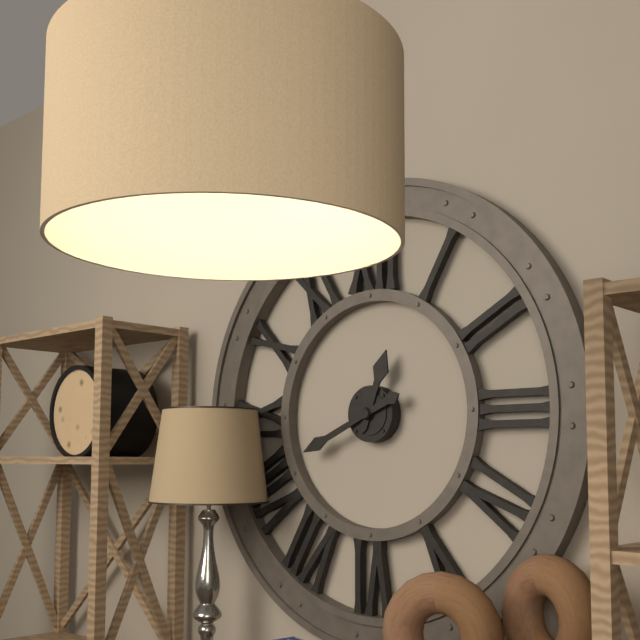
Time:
{"hour": 12, "minute": 41}
